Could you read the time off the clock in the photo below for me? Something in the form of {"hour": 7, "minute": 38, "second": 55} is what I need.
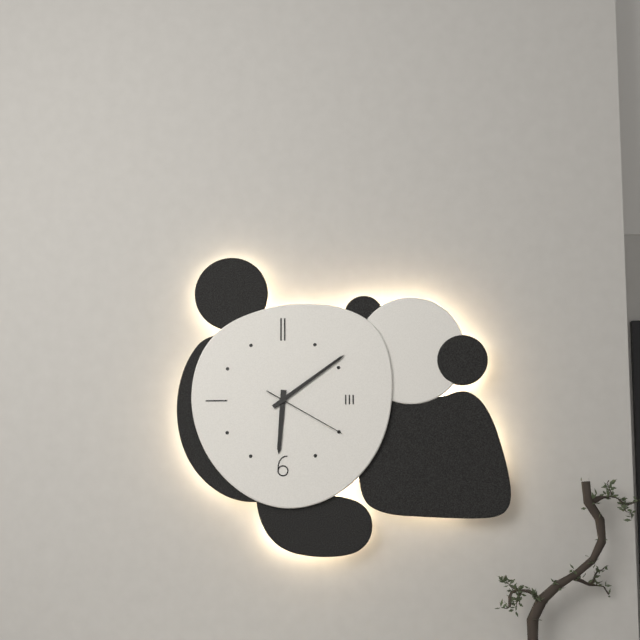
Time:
{"hour": 6, "minute": 9, "second": 20}
